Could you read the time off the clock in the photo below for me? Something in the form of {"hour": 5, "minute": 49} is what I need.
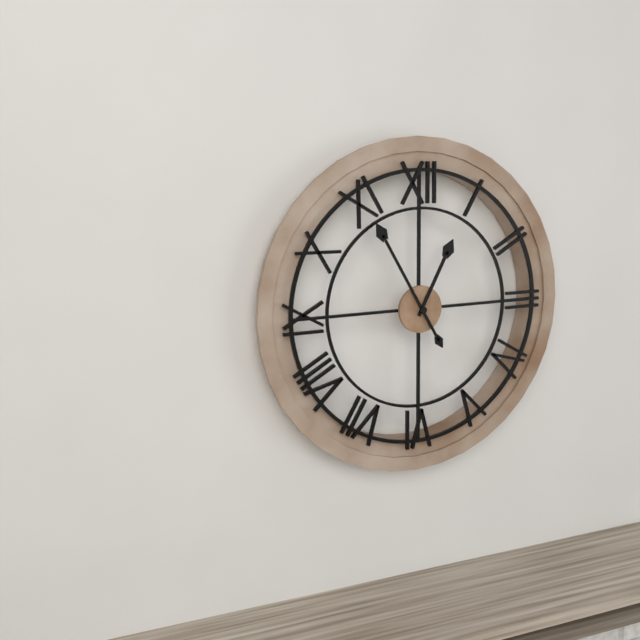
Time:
{"hour": 12, "minute": 55}
